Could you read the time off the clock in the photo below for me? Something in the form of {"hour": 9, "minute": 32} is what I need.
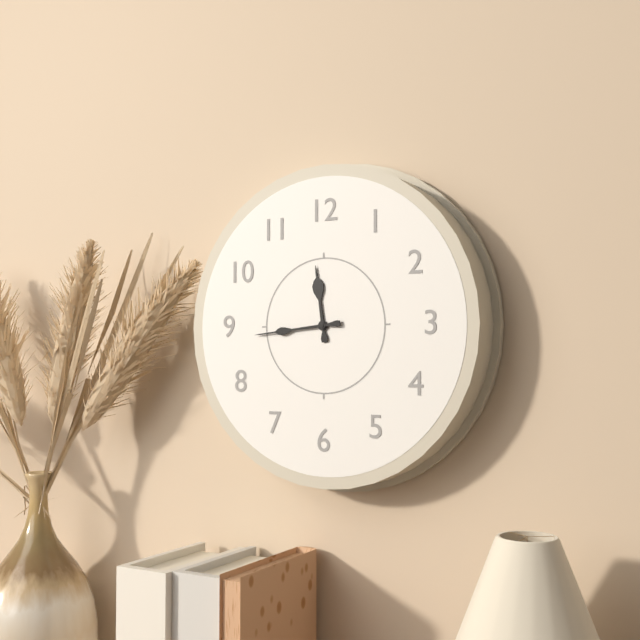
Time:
{"hour": 11, "minute": 44}
